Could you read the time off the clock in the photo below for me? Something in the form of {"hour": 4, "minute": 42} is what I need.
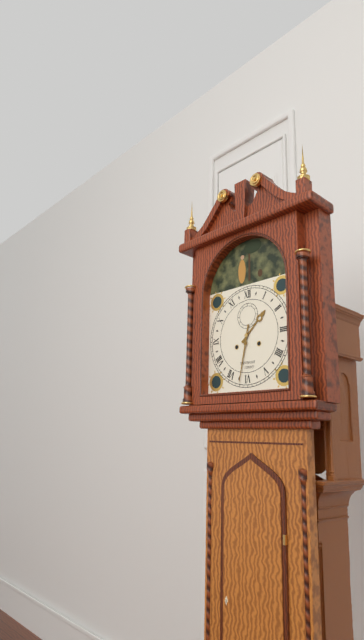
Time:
{"hour": 1, "minute": 32}
